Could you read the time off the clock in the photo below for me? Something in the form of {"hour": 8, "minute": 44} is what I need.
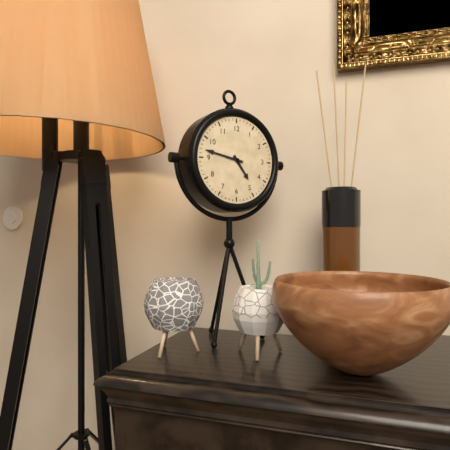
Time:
{"hour": 4, "minute": 47}
